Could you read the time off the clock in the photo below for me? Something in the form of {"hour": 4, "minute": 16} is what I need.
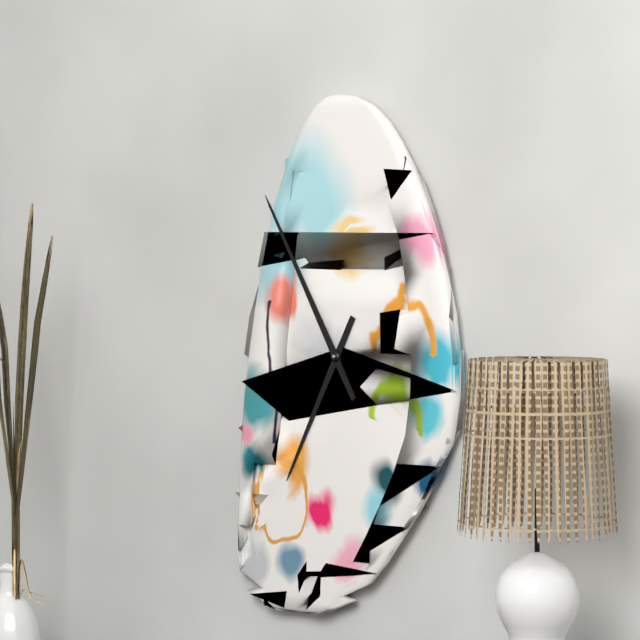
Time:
{"hour": 6, "minute": 55}
